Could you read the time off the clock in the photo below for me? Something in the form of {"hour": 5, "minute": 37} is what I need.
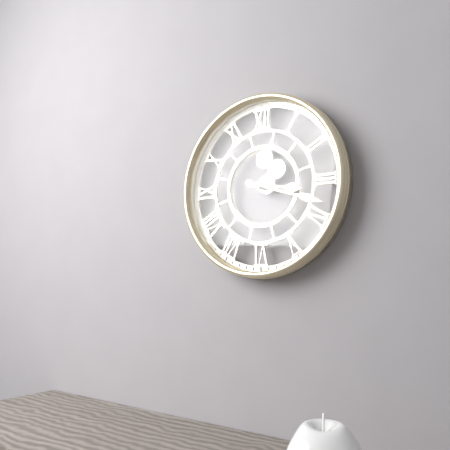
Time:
{"hour": 3, "minute": 18}
